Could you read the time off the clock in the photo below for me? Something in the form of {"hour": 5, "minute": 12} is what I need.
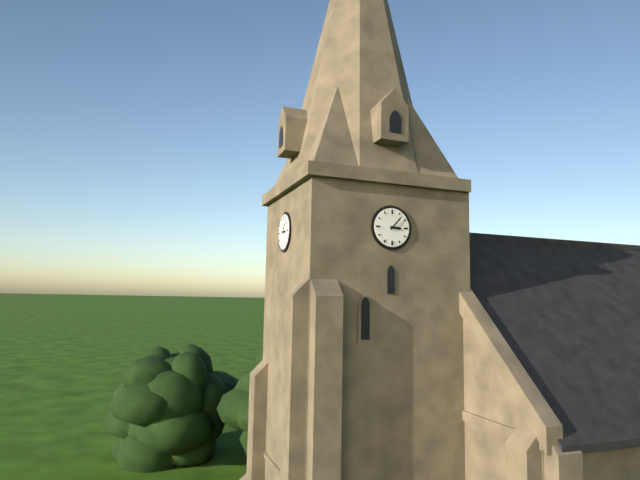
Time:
{"hour": 3, "minute": 7}
